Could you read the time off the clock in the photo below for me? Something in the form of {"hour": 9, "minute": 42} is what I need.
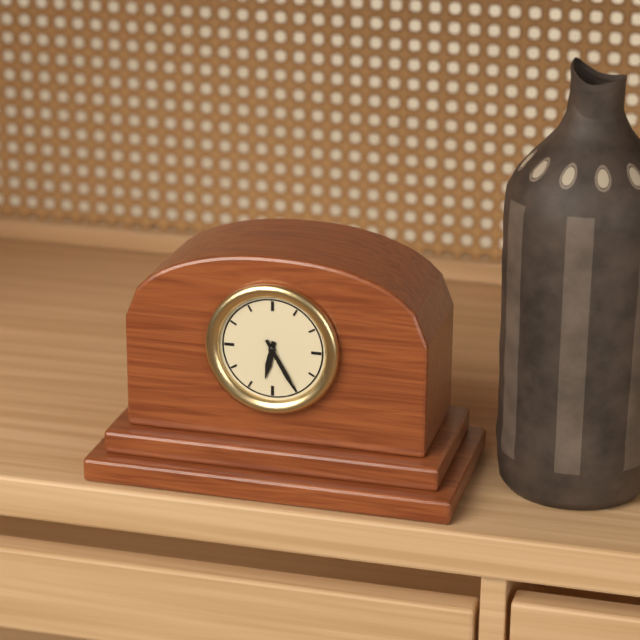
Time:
{"hour": 6, "minute": 25}
